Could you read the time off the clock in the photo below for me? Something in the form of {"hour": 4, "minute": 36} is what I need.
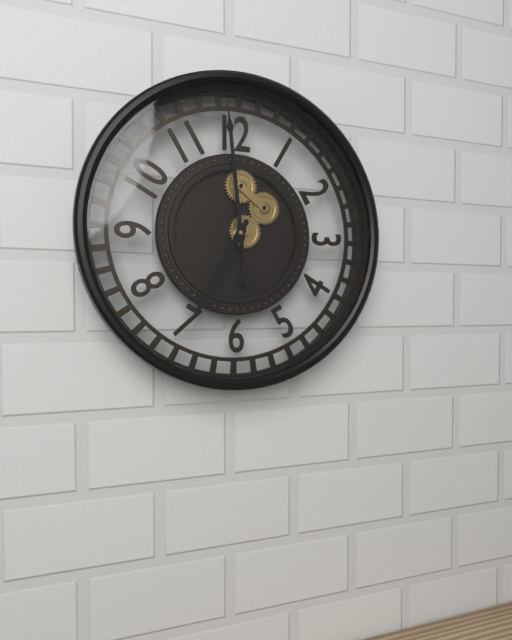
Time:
{"hour": 6, "minute": 59}
